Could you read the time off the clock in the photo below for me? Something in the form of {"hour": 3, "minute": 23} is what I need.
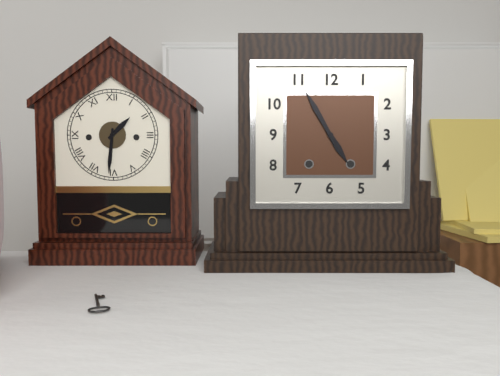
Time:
{"hour": 4, "minute": 55}
